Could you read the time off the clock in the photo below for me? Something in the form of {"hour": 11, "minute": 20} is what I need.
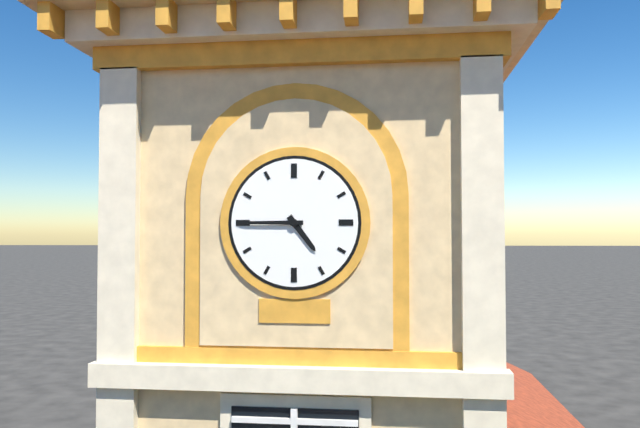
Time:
{"hour": 4, "minute": 45}
